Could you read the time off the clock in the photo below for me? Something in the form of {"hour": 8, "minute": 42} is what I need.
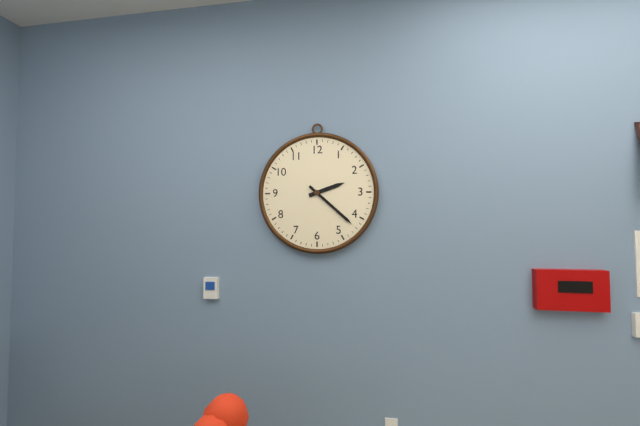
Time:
{"hour": 2, "minute": 22}
